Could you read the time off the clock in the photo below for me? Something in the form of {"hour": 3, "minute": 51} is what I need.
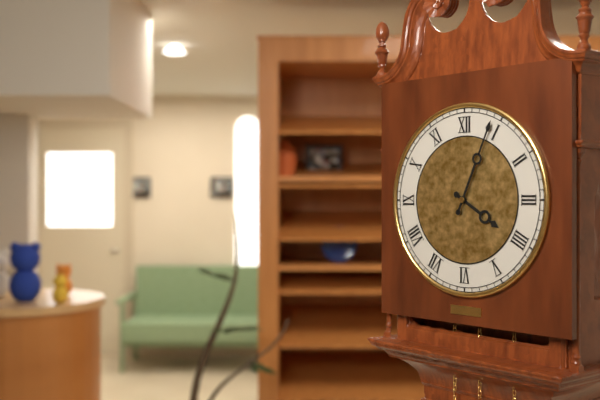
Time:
{"hour": 4, "minute": 4}
